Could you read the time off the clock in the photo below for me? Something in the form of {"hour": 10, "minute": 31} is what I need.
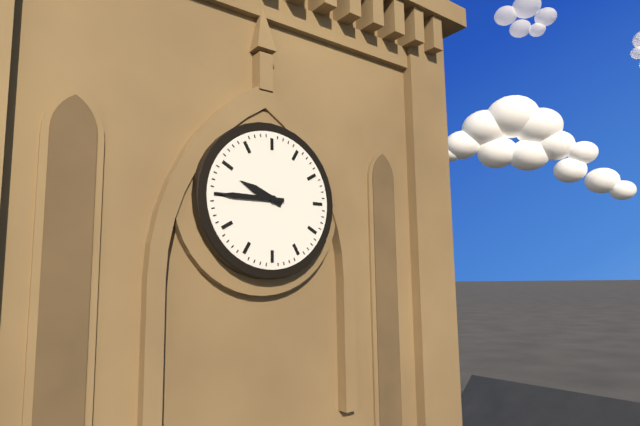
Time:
{"hour": 9, "minute": 45}
